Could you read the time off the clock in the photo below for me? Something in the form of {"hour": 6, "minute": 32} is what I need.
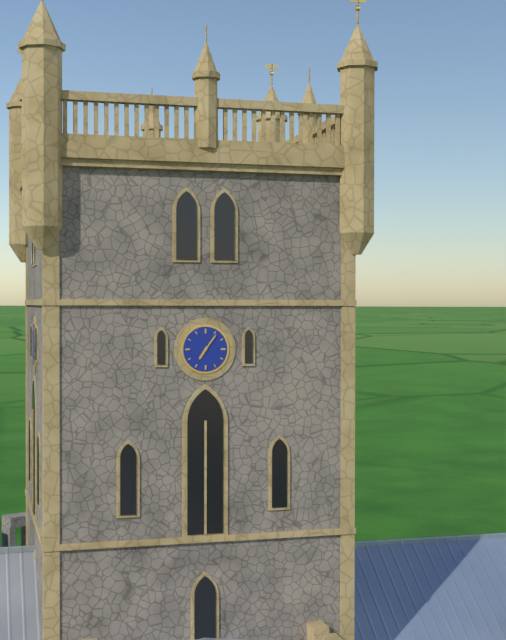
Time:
{"hour": 7, "minute": 6}
